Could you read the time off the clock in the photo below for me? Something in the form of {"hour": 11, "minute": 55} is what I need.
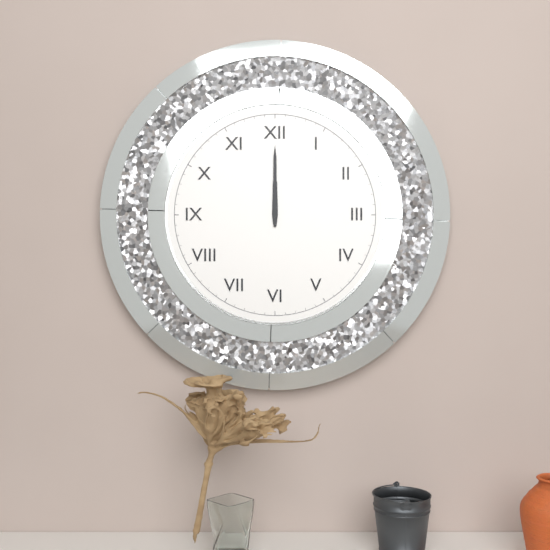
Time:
{"hour": 12, "minute": 0}
